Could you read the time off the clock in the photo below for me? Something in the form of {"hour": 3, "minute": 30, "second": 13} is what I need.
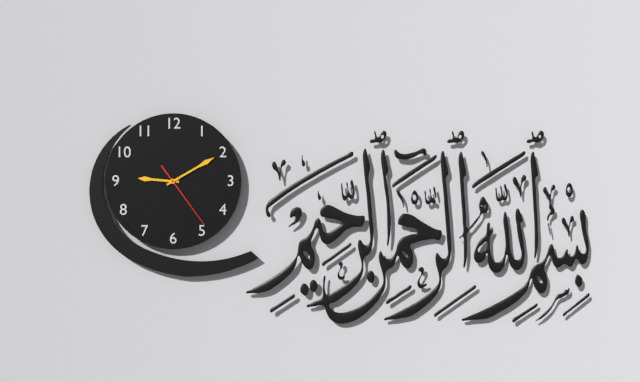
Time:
{"hour": 9, "minute": 10, "second": 24}
